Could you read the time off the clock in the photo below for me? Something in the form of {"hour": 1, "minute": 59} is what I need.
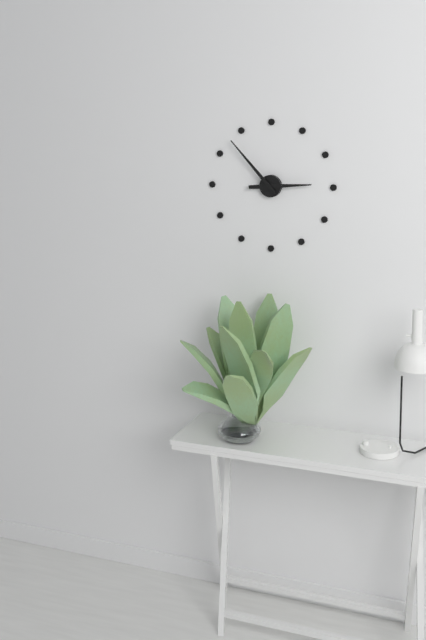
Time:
{"hour": 2, "minute": 53}
